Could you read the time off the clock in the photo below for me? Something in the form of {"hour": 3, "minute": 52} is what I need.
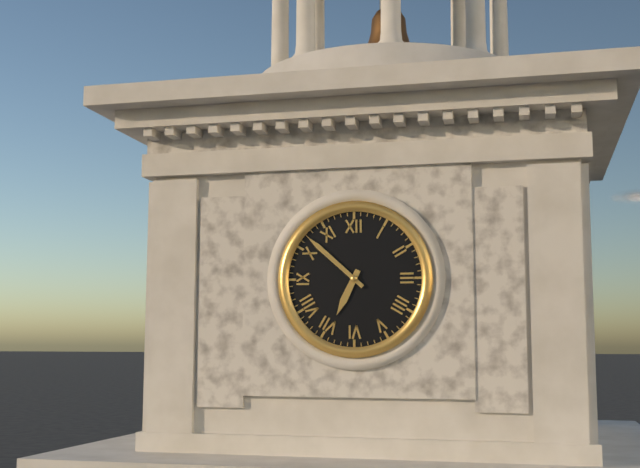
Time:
{"hour": 6, "minute": 52}
